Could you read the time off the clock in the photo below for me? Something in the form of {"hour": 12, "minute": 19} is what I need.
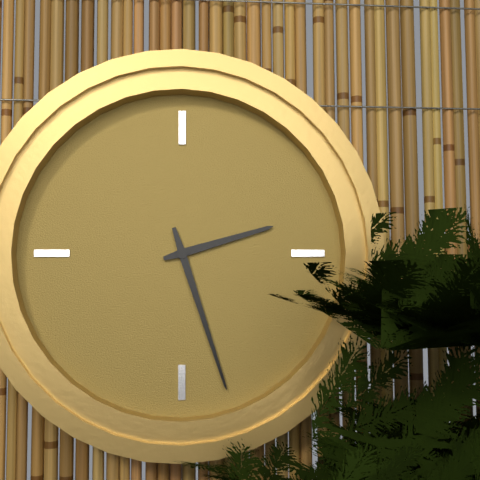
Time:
{"hour": 2, "minute": 27}
